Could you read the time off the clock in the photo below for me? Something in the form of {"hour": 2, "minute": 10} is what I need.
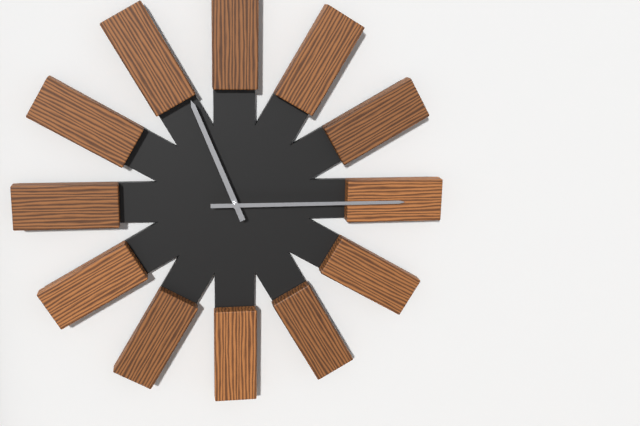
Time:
{"hour": 11, "minute": 15}
